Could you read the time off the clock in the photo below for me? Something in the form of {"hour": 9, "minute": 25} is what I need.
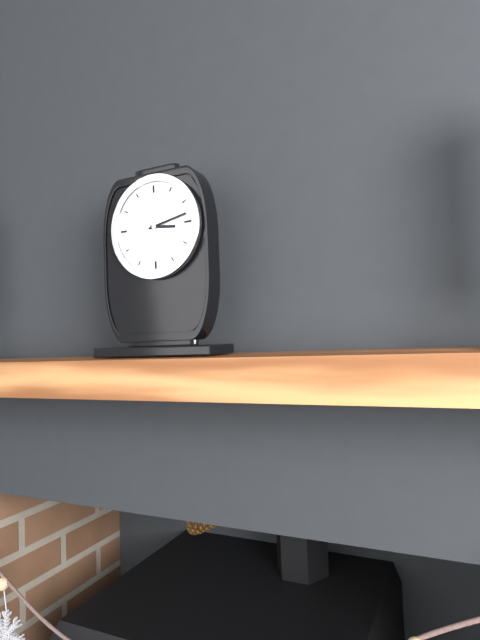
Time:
{"hour": 3, "minute": 13}
